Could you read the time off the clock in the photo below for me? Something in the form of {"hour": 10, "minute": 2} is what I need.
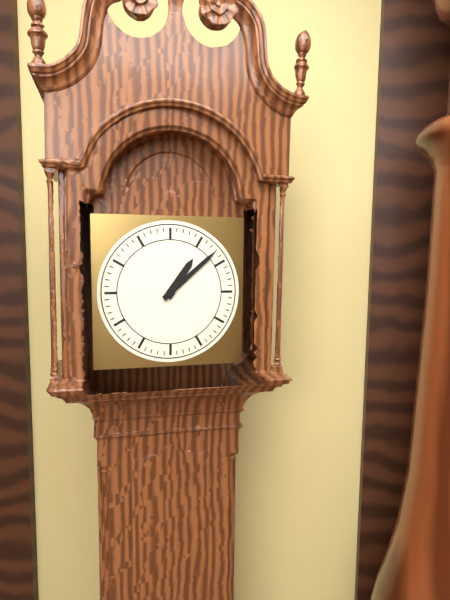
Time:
{"hour": 1, "minute": 8}
